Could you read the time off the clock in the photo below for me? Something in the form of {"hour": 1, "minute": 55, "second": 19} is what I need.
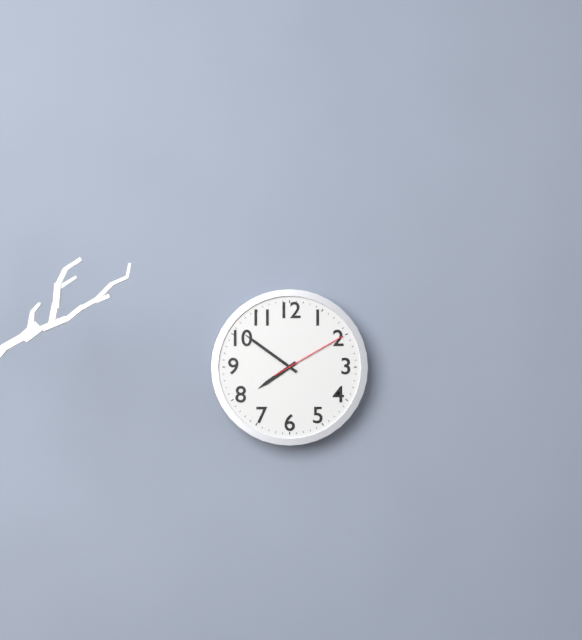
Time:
{"hour": 7, "minute": 51, "second": 10}
